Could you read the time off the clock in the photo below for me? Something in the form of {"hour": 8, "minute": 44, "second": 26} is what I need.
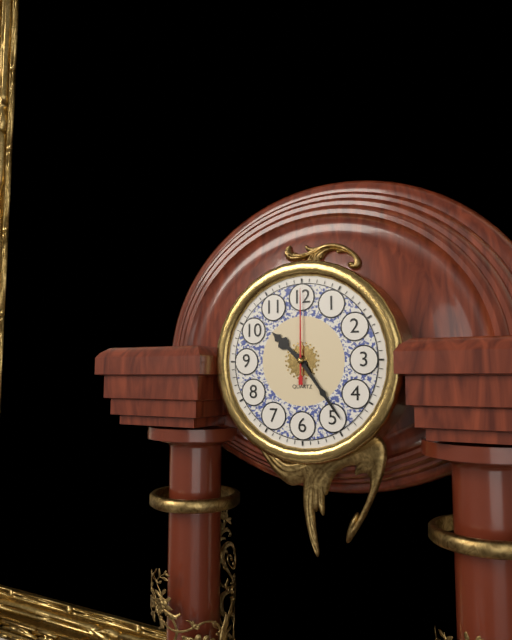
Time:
{"hour": 10, "minute": 24, "second": 0}
